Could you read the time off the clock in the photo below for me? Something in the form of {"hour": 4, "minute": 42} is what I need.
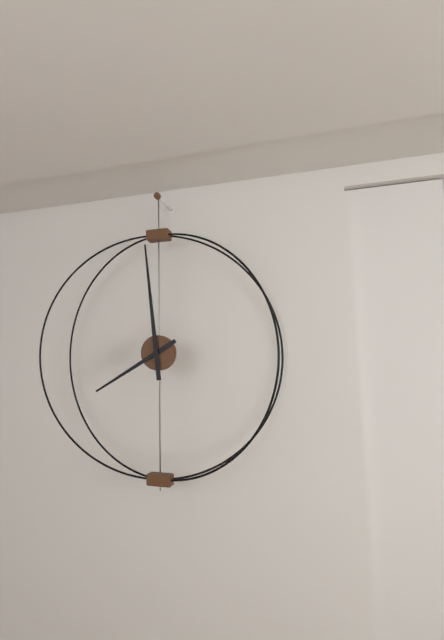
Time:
{"hour": 7, "minute": 59}
